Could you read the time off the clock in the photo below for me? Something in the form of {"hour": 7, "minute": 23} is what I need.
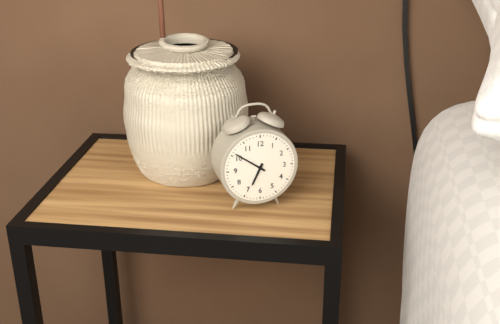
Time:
{"hour": 6, "minute": 51}
